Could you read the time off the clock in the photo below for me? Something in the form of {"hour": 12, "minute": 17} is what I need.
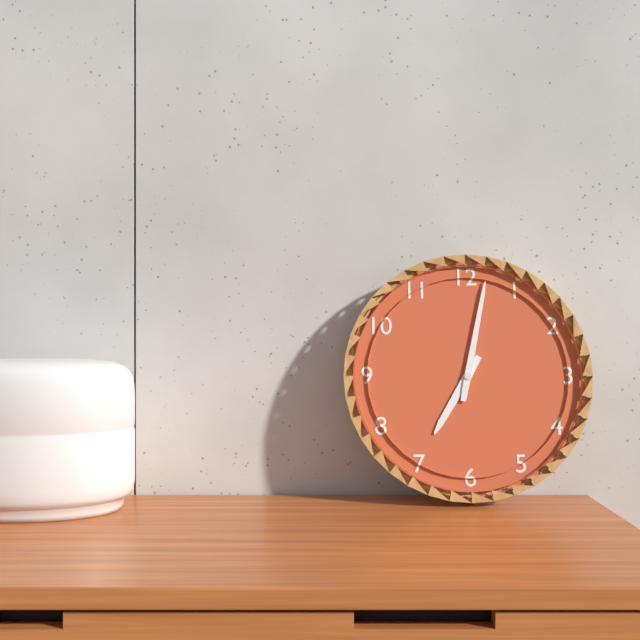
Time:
{"hour": 7, "minute": 2}
